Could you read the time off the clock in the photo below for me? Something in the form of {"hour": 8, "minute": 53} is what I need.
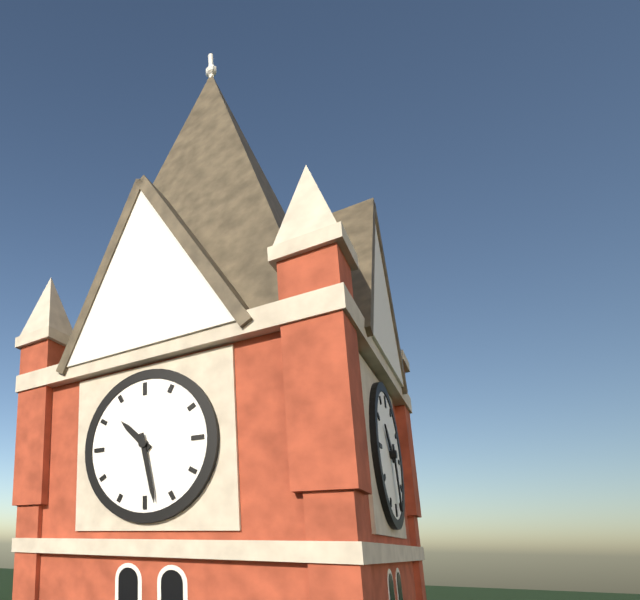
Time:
{"hour": 10, "minute": 28}
